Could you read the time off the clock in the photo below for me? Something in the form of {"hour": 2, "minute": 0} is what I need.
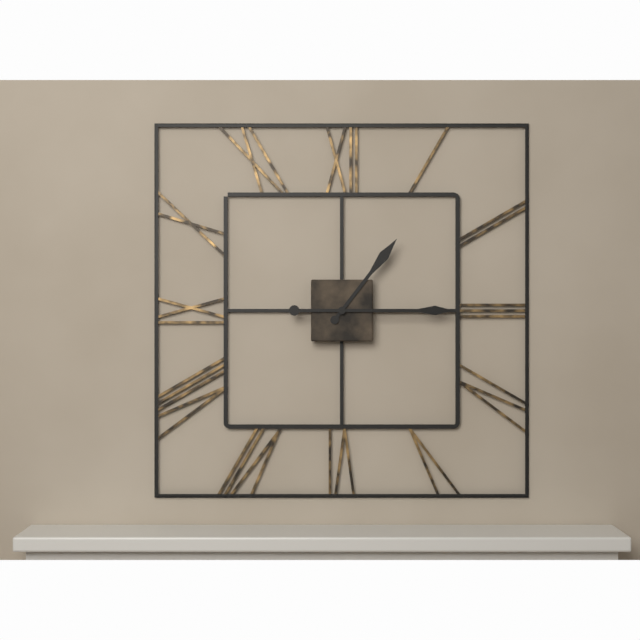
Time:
{"hour": 1, "minute": 15}
